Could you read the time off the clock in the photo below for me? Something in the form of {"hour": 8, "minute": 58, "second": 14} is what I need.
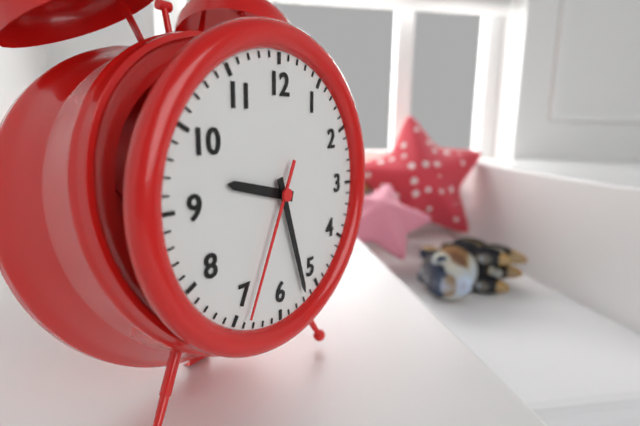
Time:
{"hour": 9, "minute": 27, "second": 34}
